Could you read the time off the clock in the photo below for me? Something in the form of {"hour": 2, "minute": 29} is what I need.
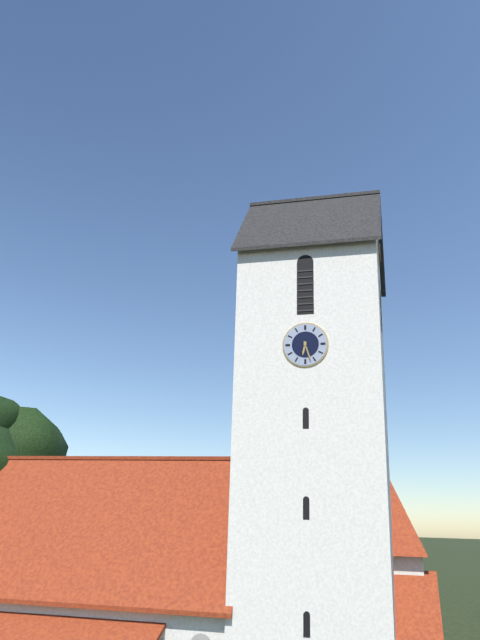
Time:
{"hour": 6, "minute": 27}
